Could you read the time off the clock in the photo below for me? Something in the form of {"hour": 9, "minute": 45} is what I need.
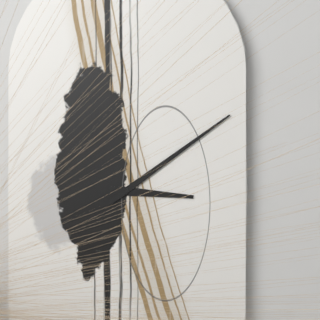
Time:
{"hour": 3, "minute": 9}
